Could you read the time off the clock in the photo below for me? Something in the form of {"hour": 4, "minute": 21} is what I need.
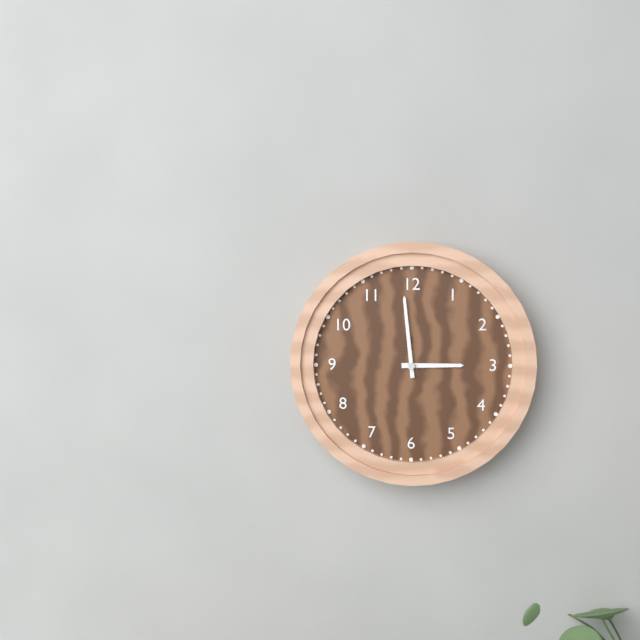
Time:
{"hour": 2, "minute": 59}
